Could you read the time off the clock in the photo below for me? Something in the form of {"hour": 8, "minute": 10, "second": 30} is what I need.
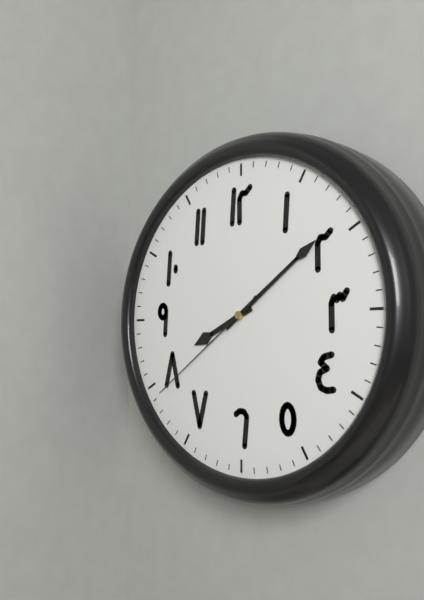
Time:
{"hour": 8, "minute": 9, "second": 39}
